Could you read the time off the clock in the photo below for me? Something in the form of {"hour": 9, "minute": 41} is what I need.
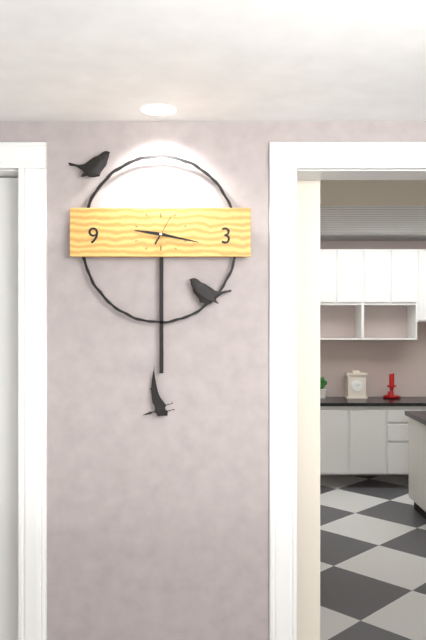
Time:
{"hour": 9, "minute": 17}
